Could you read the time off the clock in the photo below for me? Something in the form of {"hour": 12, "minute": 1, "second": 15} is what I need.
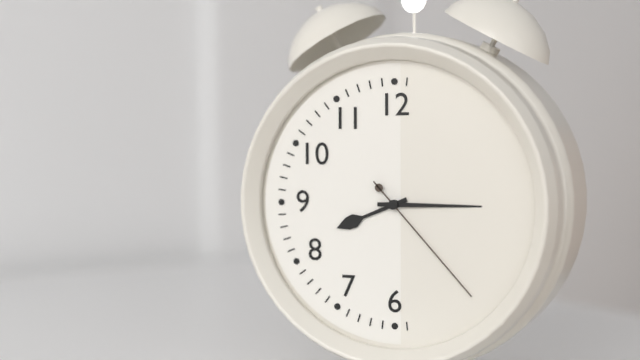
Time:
{"hour": 8, "minute": 15, "second": 23}
